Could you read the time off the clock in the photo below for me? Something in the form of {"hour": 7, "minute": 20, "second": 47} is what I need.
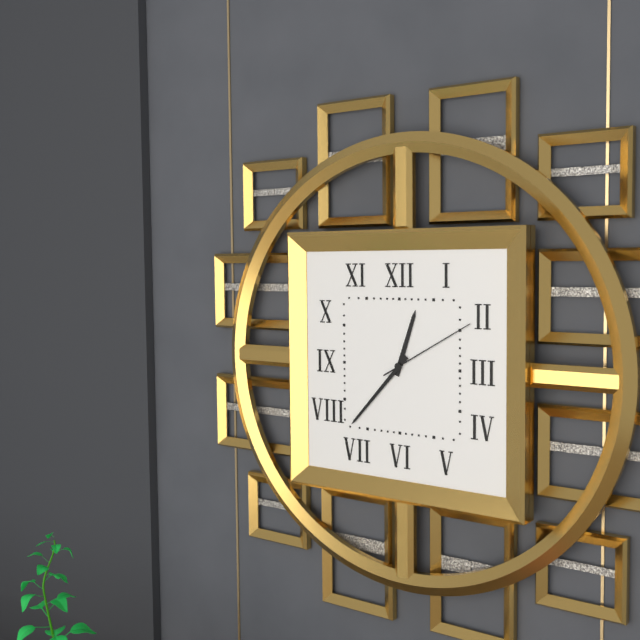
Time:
{"hour": 12, "minute": 37, "second": 10}
